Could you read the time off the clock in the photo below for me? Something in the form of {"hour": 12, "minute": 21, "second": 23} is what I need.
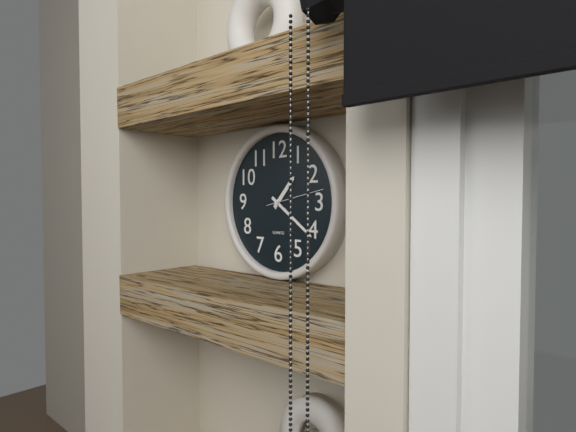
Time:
{"hour": 1, "minute": 21, "second": 13}
